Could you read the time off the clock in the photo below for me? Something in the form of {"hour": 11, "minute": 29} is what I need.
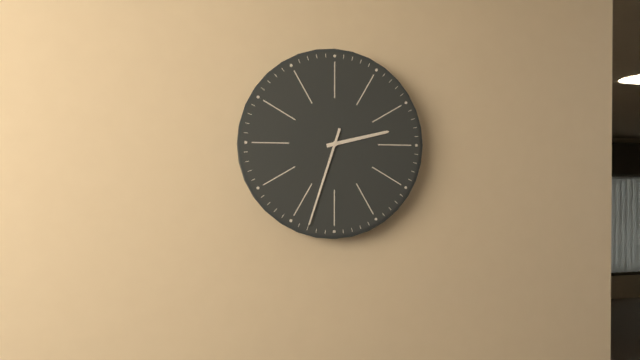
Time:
{"hour": 2, "minute": 33}
